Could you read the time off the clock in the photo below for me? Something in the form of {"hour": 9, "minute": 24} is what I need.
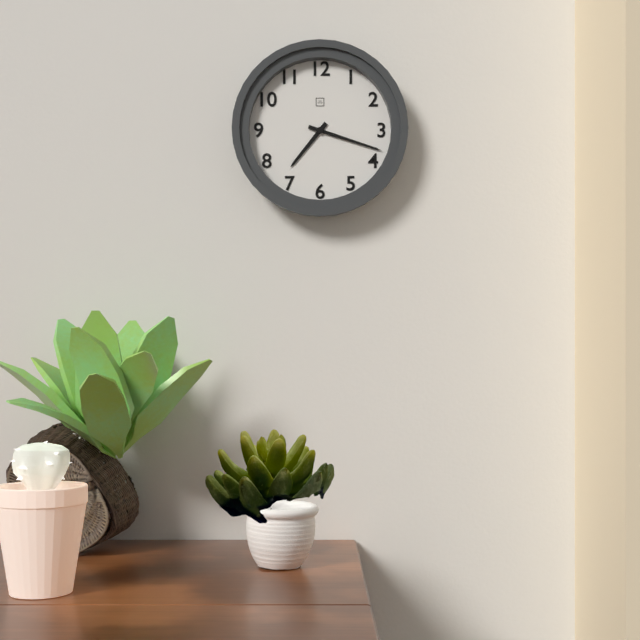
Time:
{"hour": 7, "minute": 18}
